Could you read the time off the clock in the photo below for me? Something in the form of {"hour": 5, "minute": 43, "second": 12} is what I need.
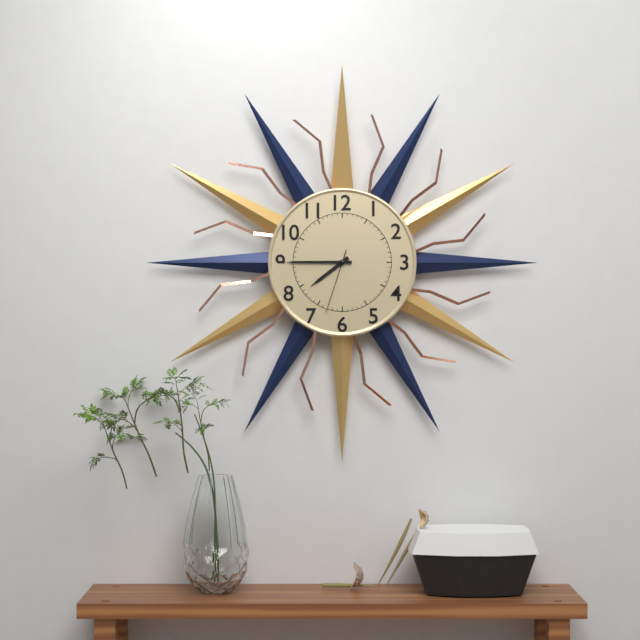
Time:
{"hour": 7, "minute": 45, "second": 33}
